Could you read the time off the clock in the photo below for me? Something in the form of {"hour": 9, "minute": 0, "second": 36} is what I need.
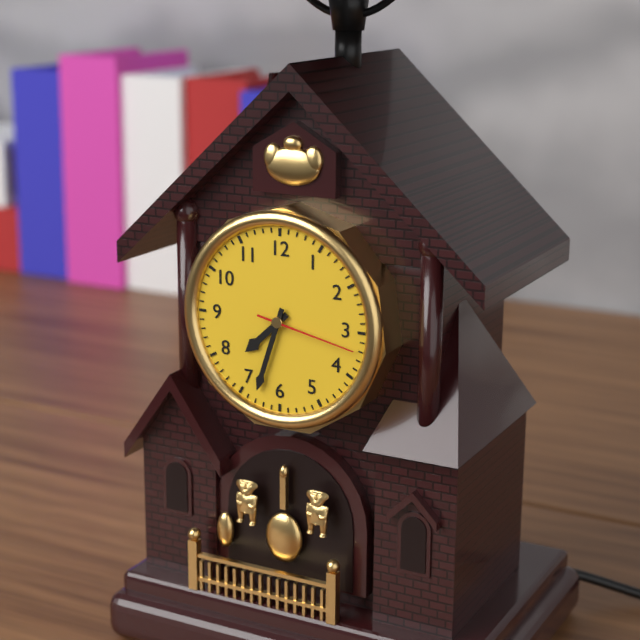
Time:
{"hour": 7, "minute": 33, "second": 17}
